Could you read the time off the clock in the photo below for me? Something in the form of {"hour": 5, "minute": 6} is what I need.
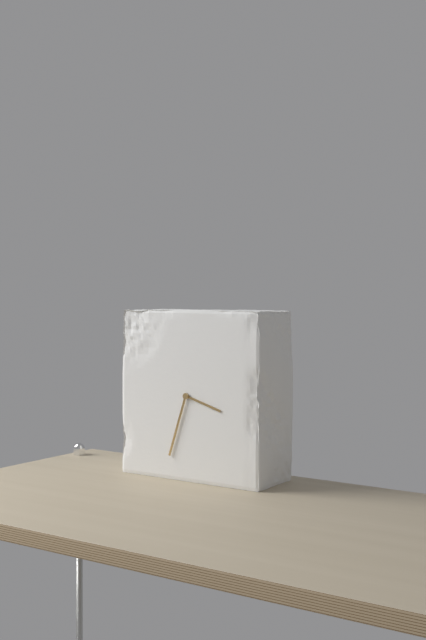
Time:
{"hour": 3, "minute": 33}
